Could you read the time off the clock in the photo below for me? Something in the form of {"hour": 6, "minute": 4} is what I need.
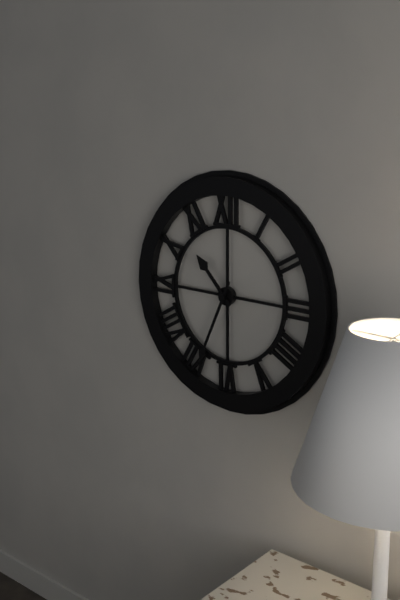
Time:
{"hour": 10, "minute": 34}
